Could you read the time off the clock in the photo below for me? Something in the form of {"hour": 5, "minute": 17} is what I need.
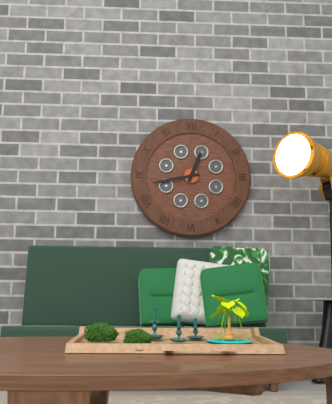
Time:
{"hour": 12, "minute": 43}
